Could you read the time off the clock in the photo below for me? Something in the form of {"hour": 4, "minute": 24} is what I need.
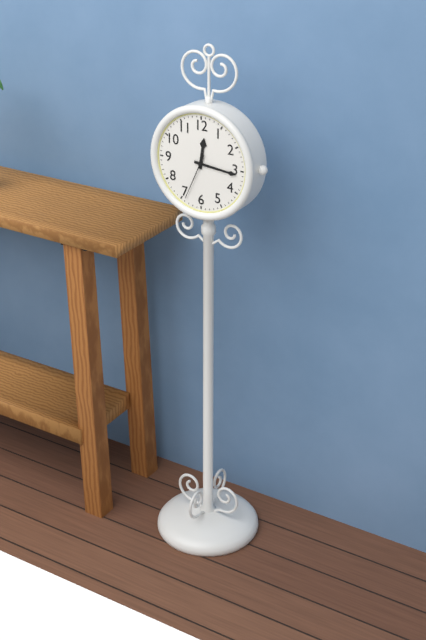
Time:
{"hour": 12, "minute": 16}
